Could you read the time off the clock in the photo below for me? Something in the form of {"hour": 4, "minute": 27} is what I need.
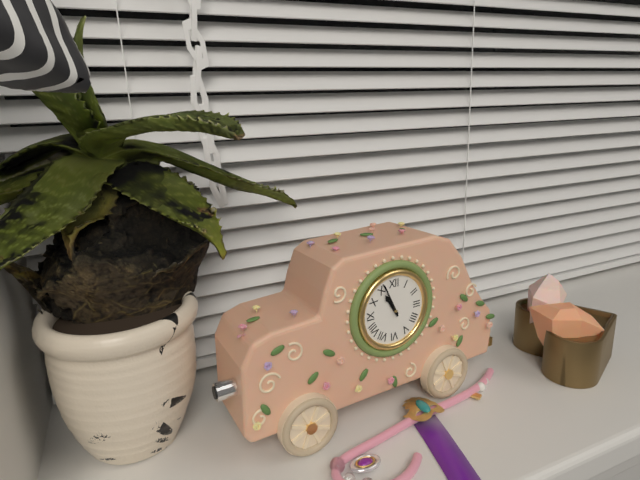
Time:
{"hour": 10, "minute": 56}
